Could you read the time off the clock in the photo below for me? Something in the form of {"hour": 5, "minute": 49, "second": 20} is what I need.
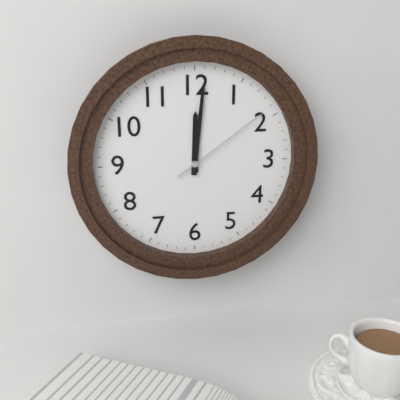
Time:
{"hour": 12, "minute": 1, "second": 9}
